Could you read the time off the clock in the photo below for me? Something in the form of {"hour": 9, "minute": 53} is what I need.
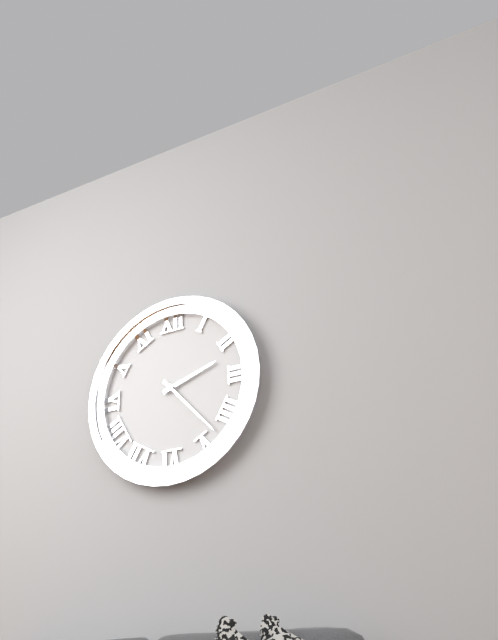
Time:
{"hour": 2, "minute": 23}
